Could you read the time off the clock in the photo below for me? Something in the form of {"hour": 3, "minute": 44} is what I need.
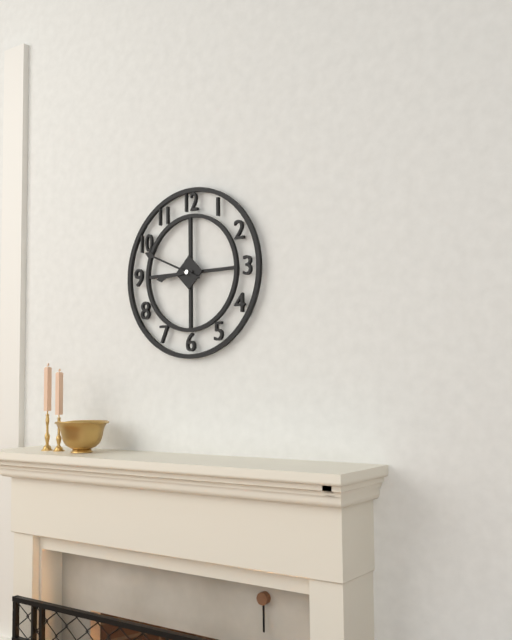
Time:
{"hour": 8, "minute": 49}
